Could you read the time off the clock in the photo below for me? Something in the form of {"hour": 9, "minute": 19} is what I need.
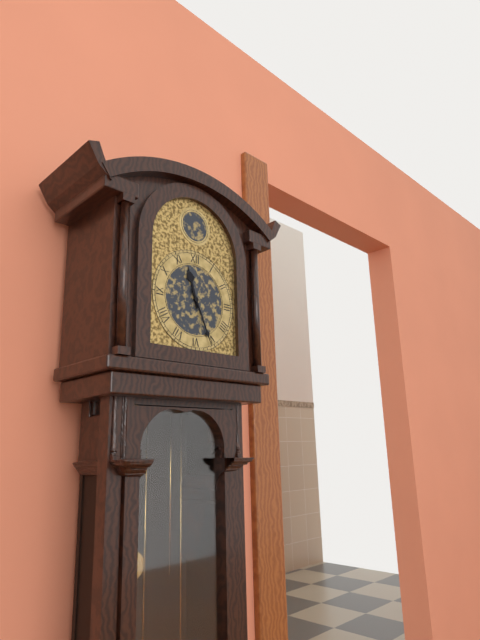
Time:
{"hour": 11, "minute": 26}
